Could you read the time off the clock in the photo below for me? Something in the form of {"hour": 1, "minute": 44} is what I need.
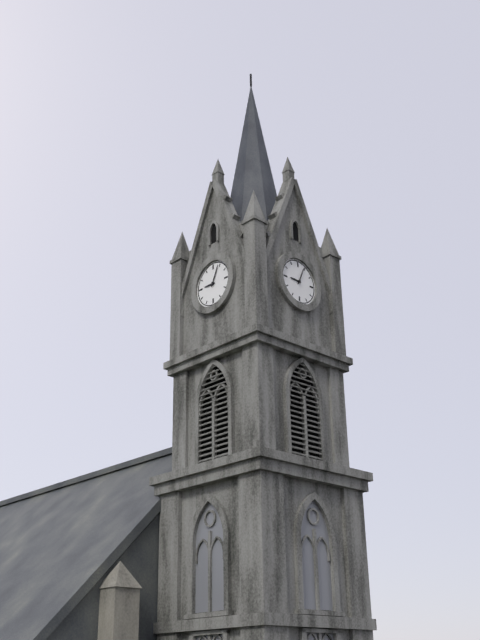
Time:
{"hour": 9, "minute": 4}
